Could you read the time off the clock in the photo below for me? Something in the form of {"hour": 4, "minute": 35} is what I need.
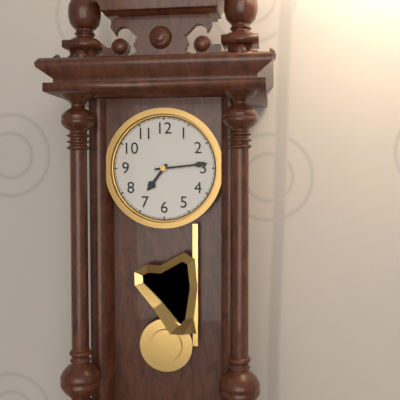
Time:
{"hour": 7, "minute": 14}
